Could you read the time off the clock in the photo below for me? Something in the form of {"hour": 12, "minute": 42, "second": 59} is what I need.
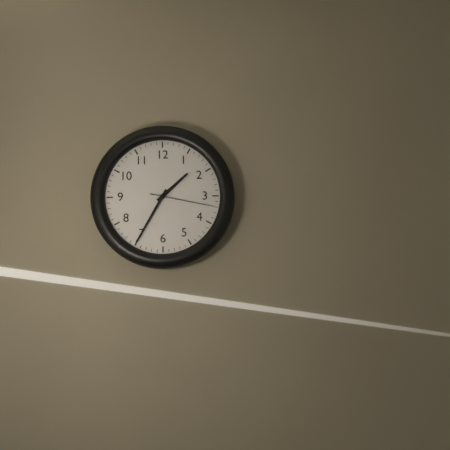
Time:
{"hour": 1, "minute": 35, "second": 17}
